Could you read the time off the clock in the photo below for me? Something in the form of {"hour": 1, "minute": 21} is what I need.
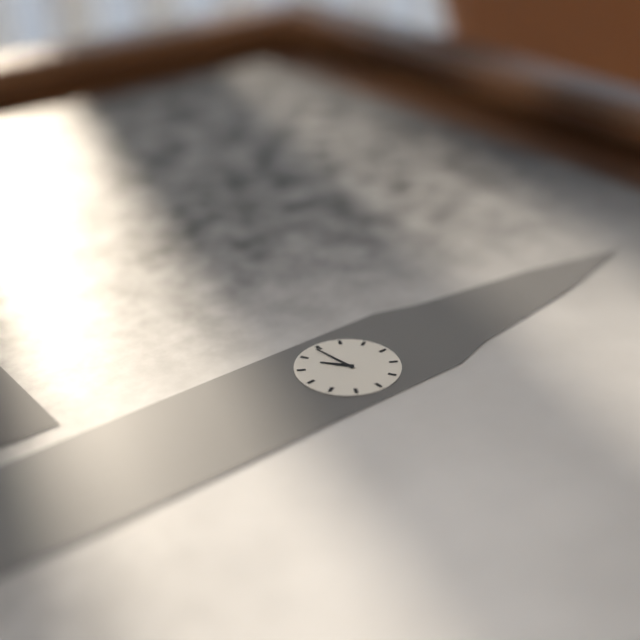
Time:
{"hour": 7, "minute": 44}
